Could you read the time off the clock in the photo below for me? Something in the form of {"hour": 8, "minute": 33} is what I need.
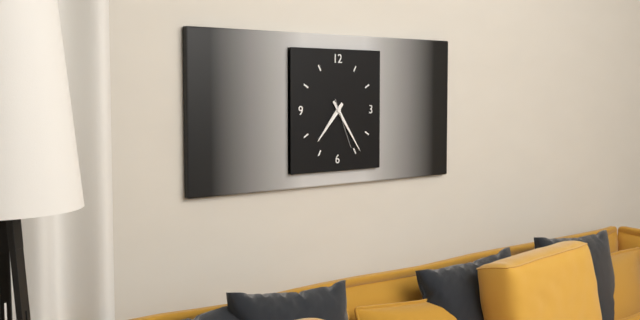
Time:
{"hour": 7, "minute": 24}
